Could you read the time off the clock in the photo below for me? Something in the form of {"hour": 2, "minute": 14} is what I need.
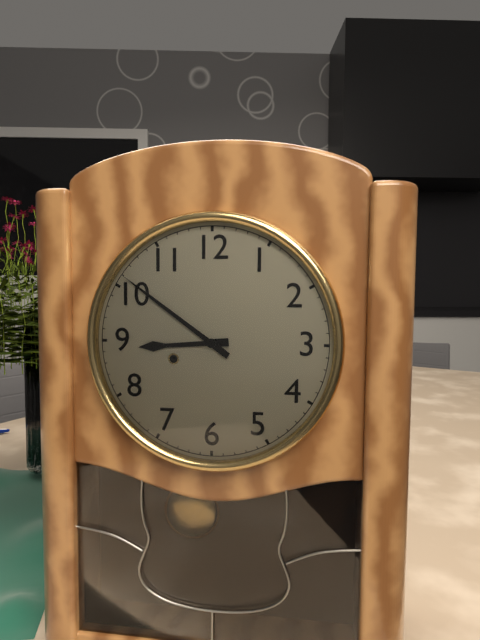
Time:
{"hour": 8, "minute": 51}
